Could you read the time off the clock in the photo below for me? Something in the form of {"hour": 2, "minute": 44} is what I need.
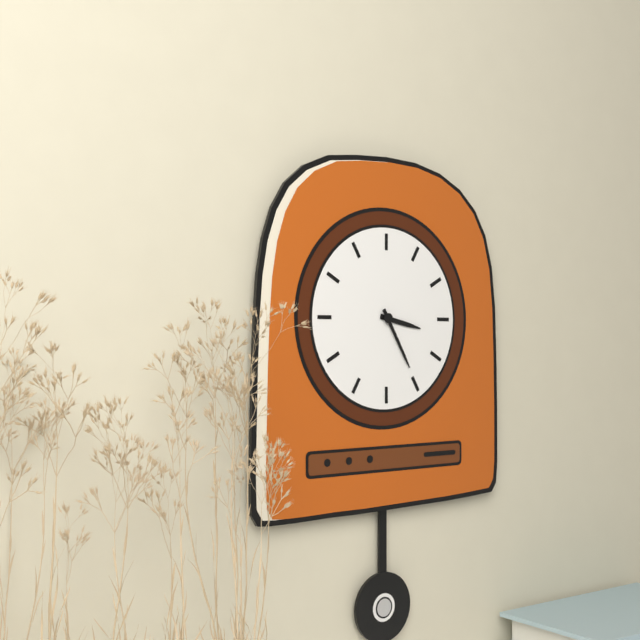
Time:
{"hour": 3, "minute": 25}
